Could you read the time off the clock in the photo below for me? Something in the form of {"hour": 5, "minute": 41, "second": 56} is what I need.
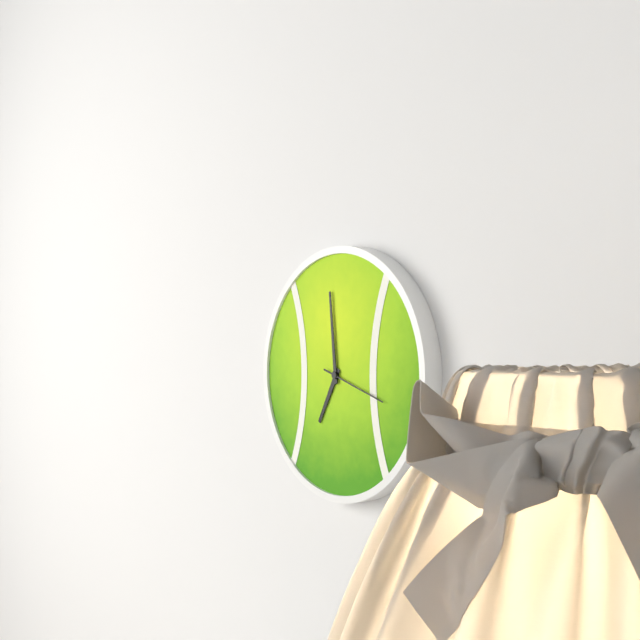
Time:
{"hour": 6, "minute": 59, "second": 18}
